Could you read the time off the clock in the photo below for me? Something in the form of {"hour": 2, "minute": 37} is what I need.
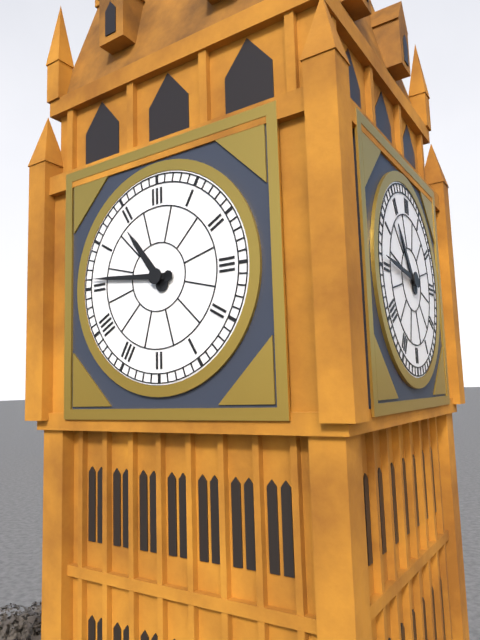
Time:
{"hour": 10, "minute": 46}
